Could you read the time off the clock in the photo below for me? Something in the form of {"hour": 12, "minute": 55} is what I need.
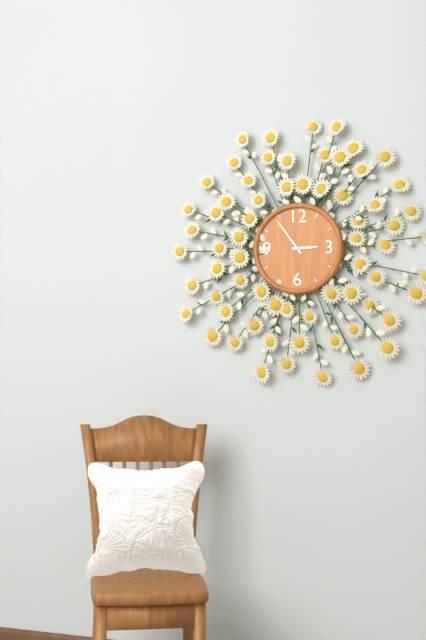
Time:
{"hour": 2, "minute": 54}
